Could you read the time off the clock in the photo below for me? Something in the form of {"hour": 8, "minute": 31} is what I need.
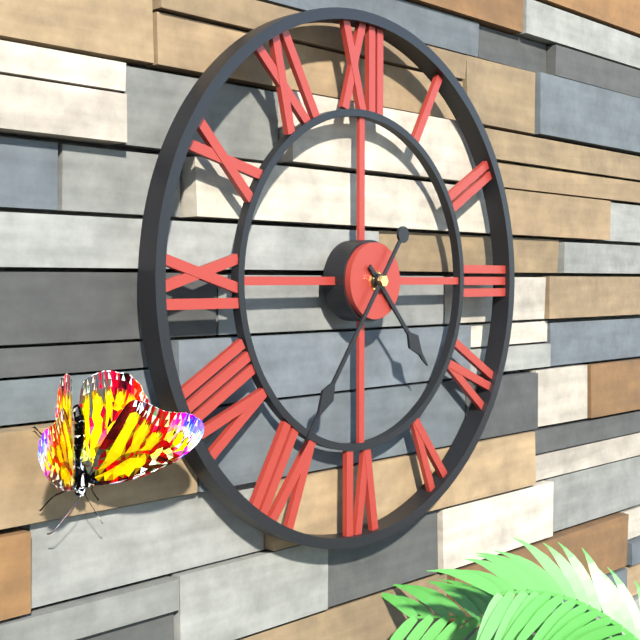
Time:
{"hour": 4, "minute": 36}
